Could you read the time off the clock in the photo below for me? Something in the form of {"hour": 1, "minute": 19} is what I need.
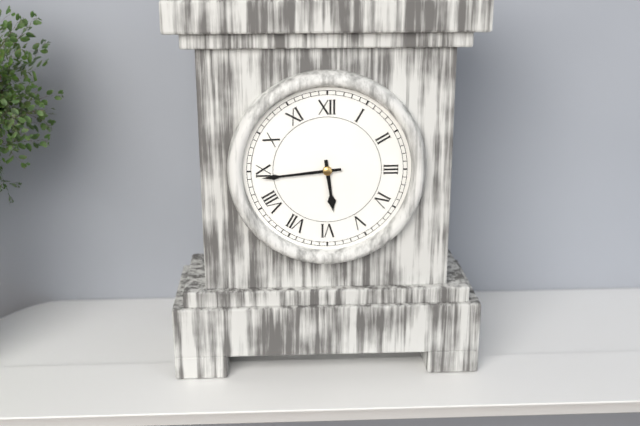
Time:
{"hour": 5, "minute": 44}
